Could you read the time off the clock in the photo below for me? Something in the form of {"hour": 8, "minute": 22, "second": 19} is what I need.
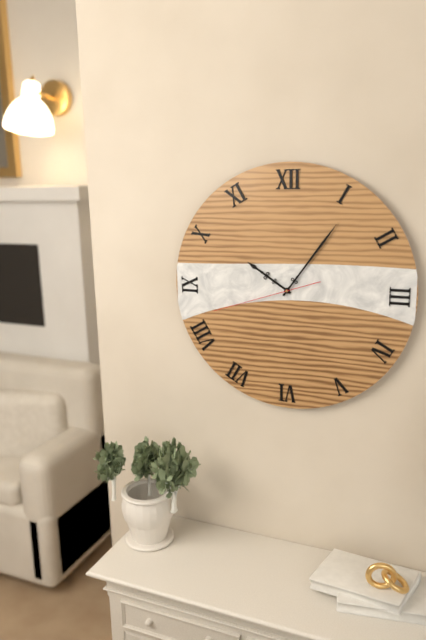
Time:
{"hour": 10, "minute": 6, "second": 42}
